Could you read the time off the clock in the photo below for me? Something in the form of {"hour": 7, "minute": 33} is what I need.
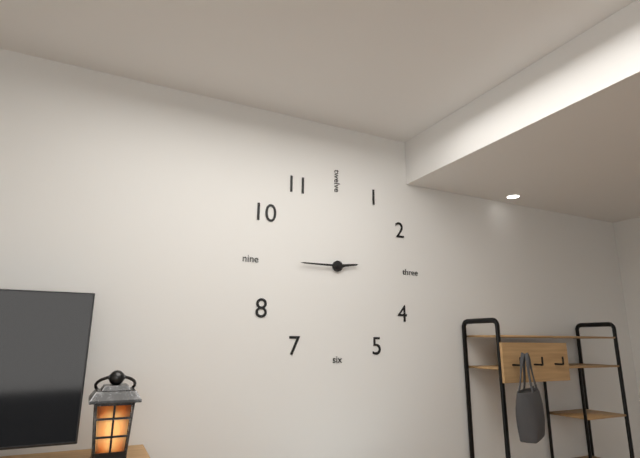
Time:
{"hour": 2, "minute": 45}
